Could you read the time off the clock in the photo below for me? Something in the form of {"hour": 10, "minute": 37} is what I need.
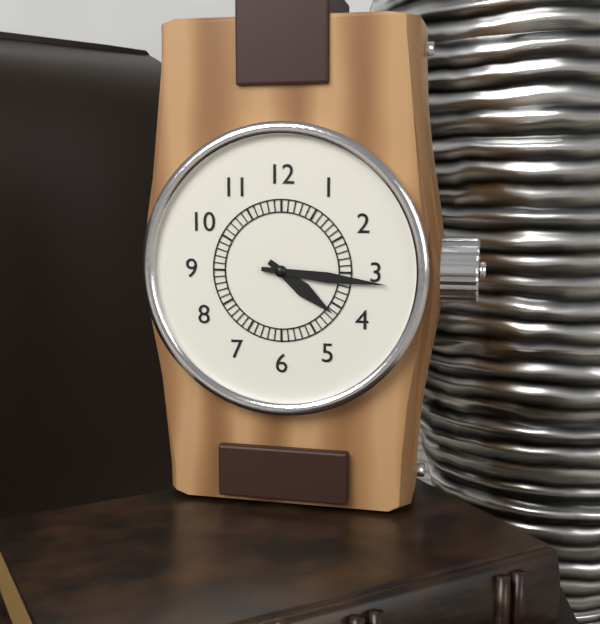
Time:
{"hour": 4, "minute": 16}
